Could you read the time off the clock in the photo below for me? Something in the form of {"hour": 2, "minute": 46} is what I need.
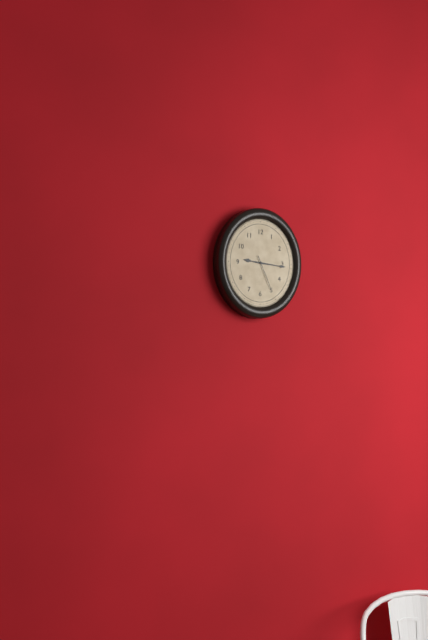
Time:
{"hour": 9, "minute": 16}
